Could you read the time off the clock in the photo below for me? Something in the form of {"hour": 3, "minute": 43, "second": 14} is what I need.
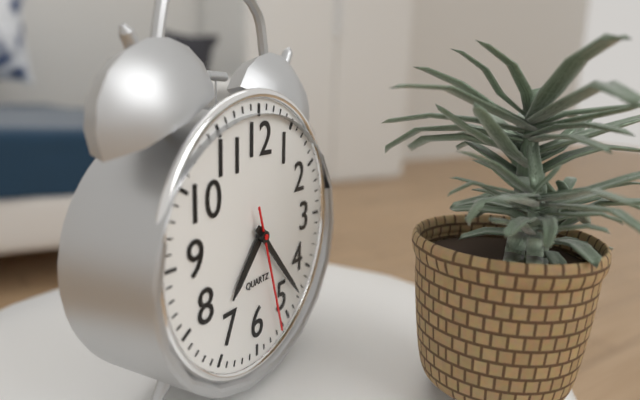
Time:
{"hour": 7, "minute": 23, "second": 27}
